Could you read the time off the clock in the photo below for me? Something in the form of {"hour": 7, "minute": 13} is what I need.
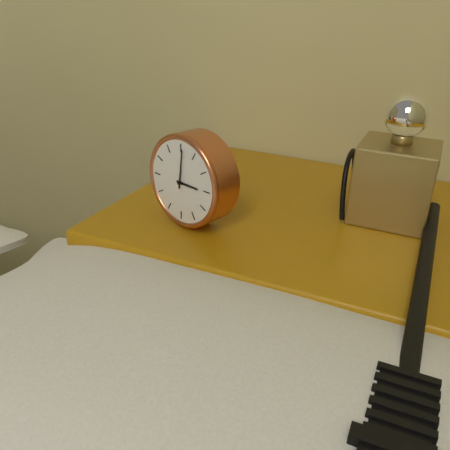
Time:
{"hour": 3, "minute": 1}
